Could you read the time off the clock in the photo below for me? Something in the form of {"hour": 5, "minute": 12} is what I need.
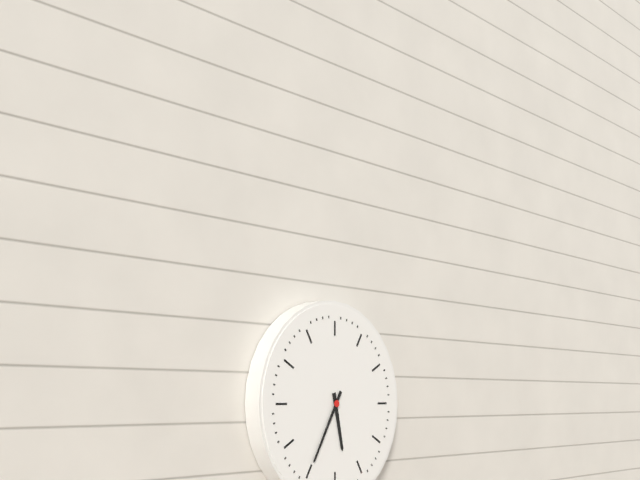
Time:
{"hour": 5, "minute": 35}
